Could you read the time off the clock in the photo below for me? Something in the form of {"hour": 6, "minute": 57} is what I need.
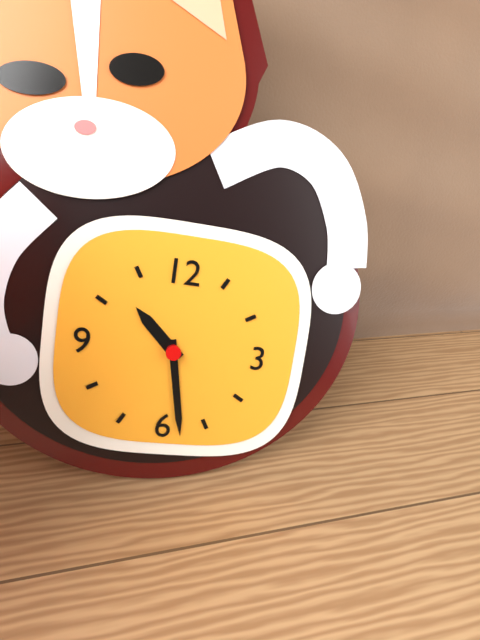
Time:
{"hour": 10, "minute": 28}
